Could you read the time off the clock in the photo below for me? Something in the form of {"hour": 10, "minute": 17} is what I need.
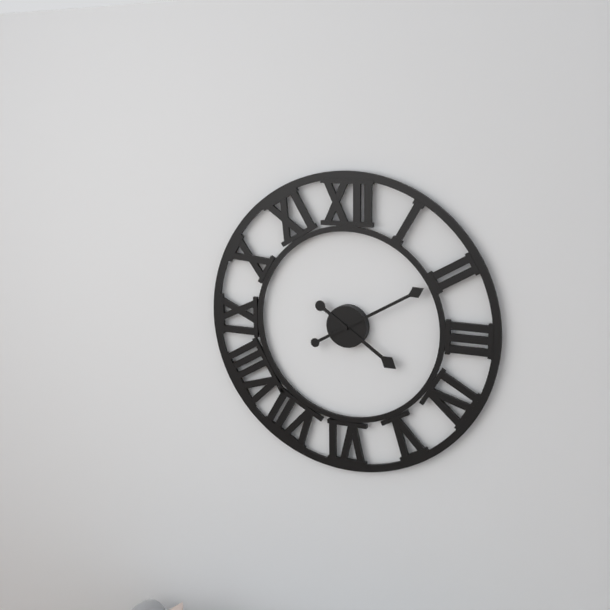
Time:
{"hour": 4, "minute": 10}
